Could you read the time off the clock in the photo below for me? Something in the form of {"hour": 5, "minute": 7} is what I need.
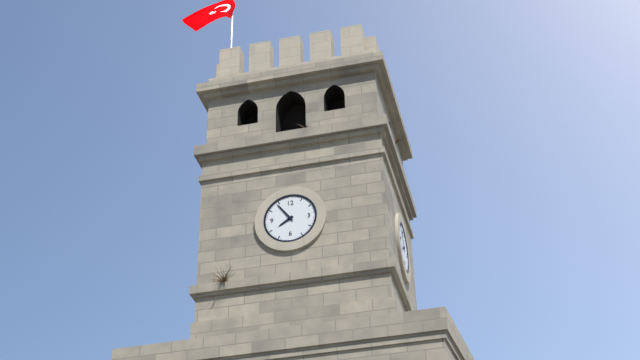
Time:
{"hour": 7, "minute": 54}
